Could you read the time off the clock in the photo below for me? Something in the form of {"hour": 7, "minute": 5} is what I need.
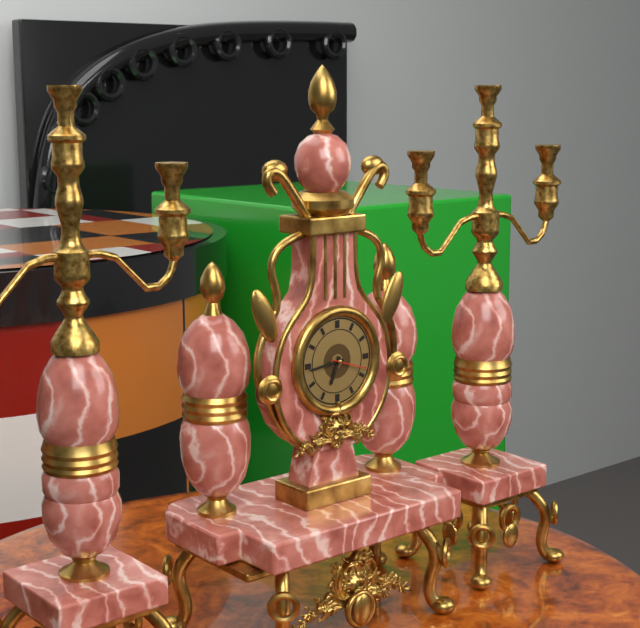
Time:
{"hour": 6, "minute": 44}
